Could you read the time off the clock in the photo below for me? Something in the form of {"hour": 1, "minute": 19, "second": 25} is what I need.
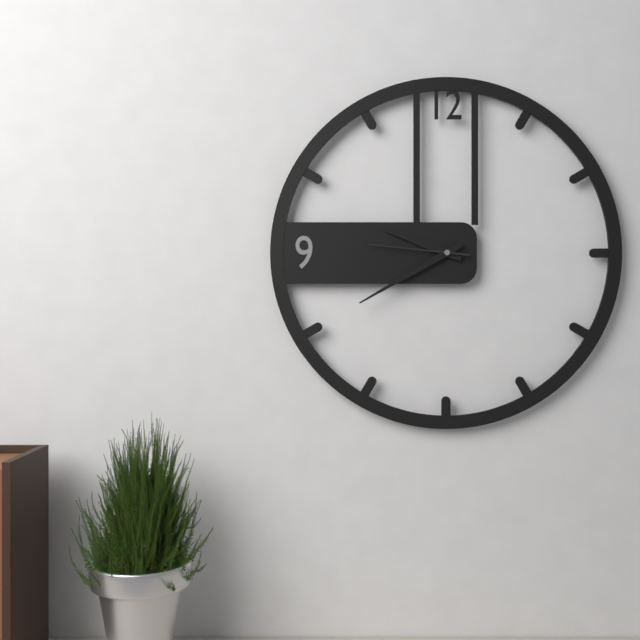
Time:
{"hour": 9, "minute": 40, "second": 46}
